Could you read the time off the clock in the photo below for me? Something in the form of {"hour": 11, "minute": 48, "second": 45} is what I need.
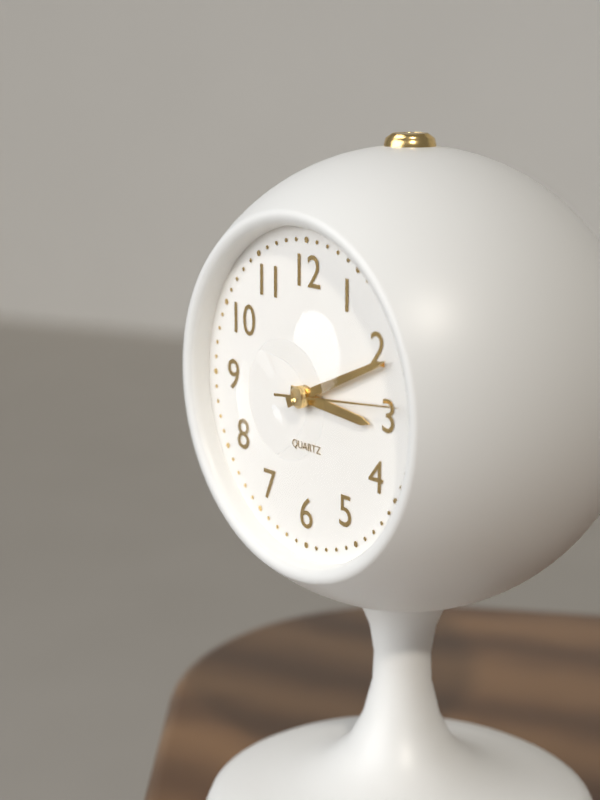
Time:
{"hour": 3, "minute": 11, "second": 14}
